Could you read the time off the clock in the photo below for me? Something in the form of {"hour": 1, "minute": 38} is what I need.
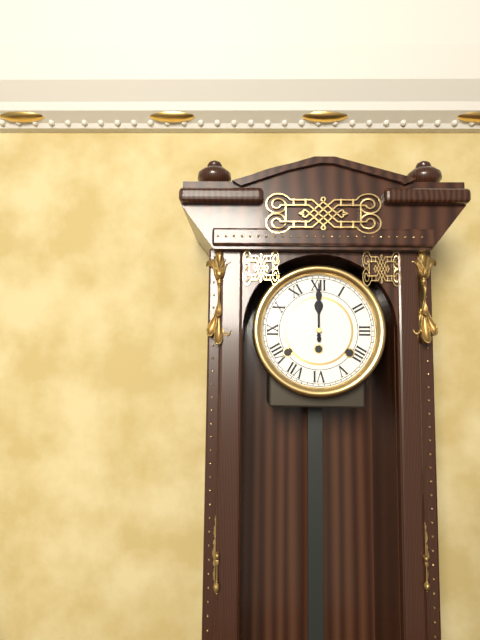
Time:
{"hour": 12, "minute": 0}
